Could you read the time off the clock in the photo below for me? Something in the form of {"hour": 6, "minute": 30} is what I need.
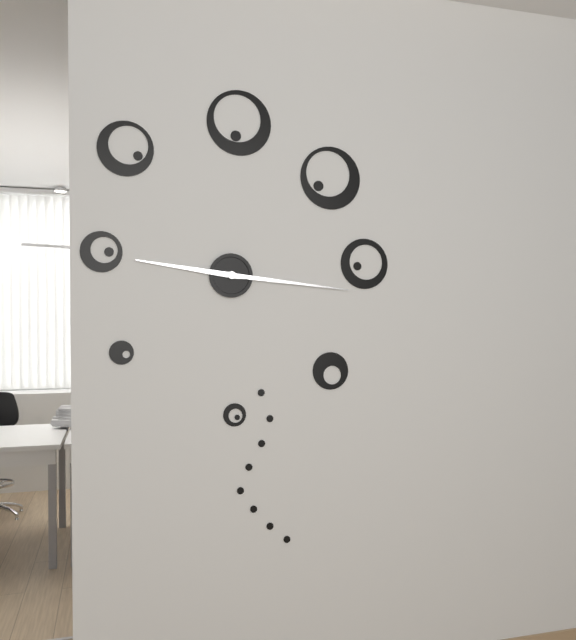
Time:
{"hour": 9, "minute": 16}
